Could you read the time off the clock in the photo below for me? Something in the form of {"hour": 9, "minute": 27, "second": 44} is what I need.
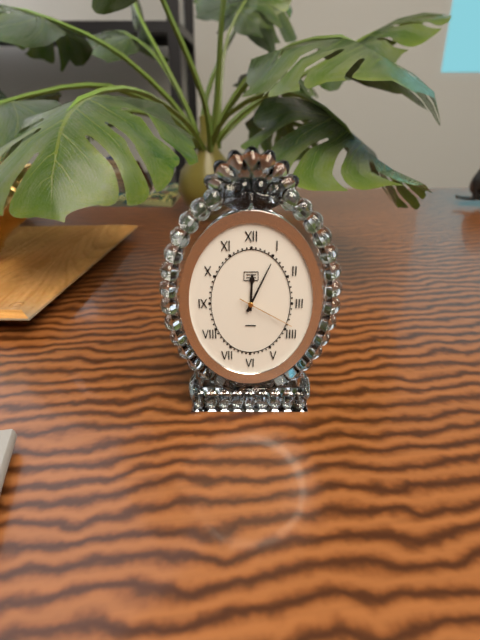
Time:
{"hour": 12, "minute": 4, "second": 20}
